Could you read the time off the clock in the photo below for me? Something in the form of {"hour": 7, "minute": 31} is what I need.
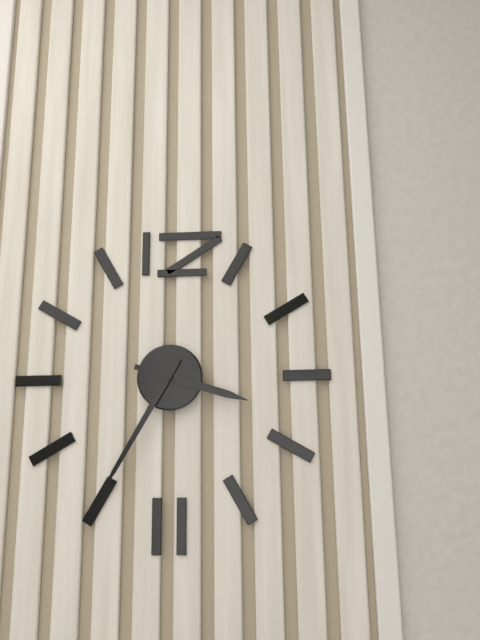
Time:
{"hour": 3, "minute": 35}
